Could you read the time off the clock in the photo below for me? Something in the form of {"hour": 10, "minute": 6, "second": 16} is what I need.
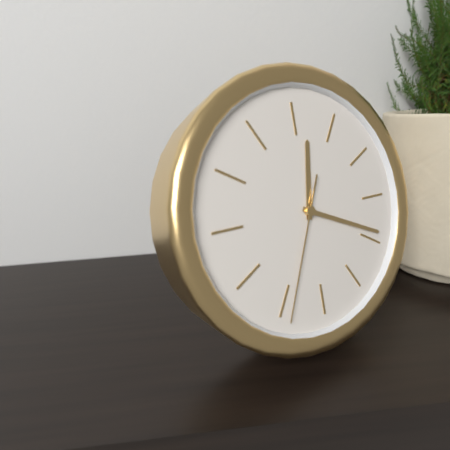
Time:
{"hour": 12, "minute": 19, "second": 34}
